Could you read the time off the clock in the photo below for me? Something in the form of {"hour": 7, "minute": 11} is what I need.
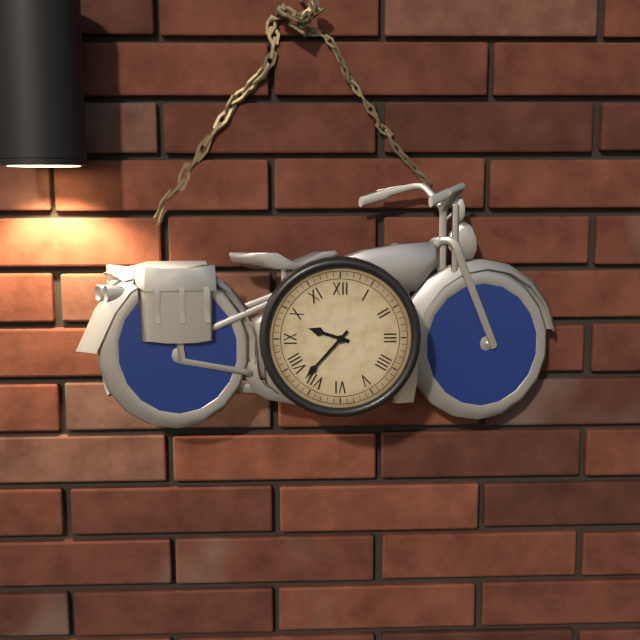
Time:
{"hour": 9, "minute": 37}
